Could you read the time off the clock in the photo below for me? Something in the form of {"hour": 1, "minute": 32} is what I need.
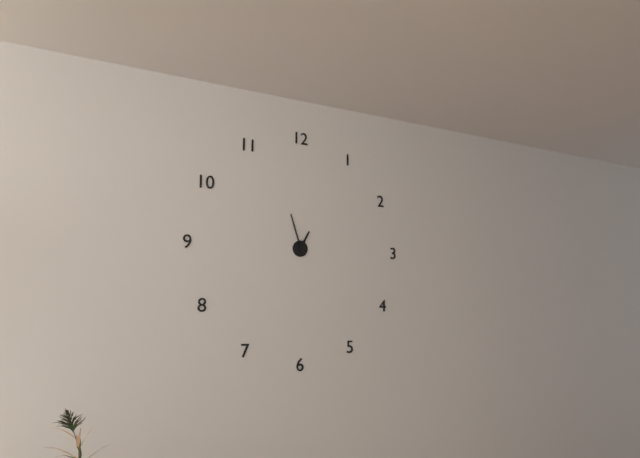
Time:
{"hour": 12, "minute": 57}
